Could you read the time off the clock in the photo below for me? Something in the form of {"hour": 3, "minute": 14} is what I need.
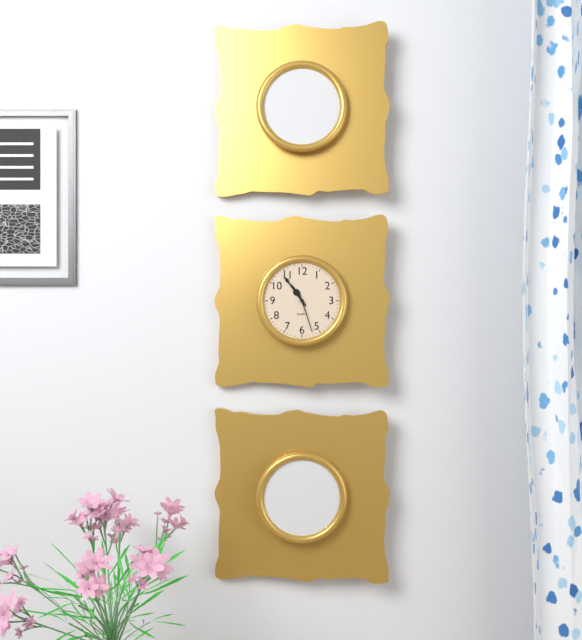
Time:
{"hour": 10, "minute": 54}
